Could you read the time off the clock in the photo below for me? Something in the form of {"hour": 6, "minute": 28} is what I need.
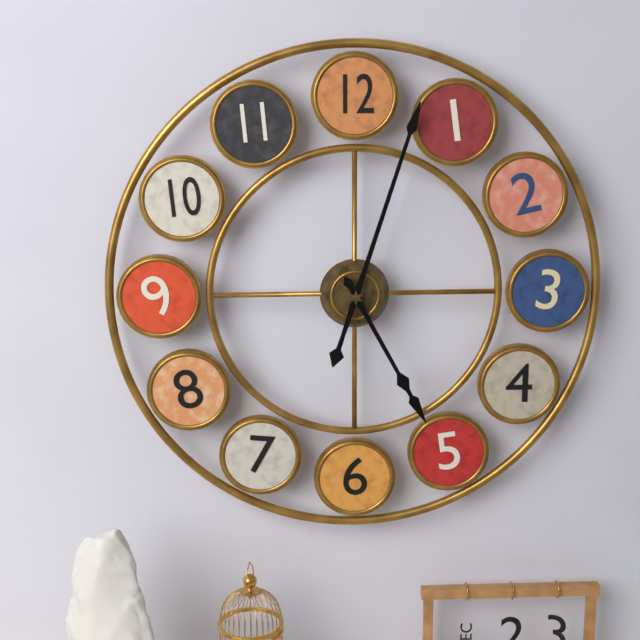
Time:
{"hour": 5, "minute": 3}
